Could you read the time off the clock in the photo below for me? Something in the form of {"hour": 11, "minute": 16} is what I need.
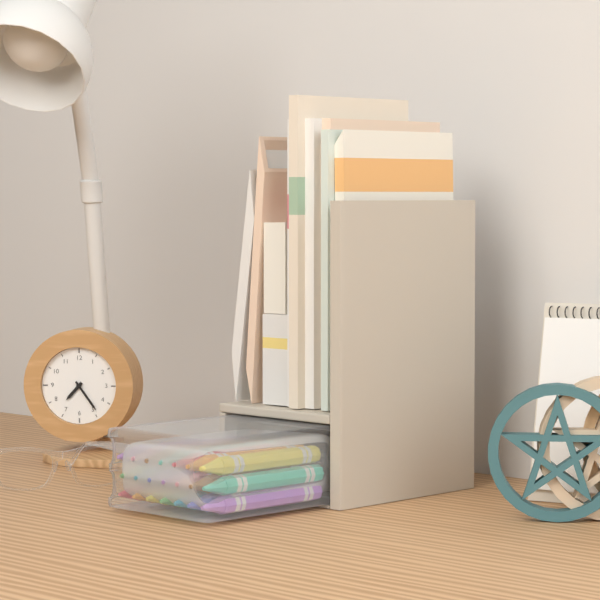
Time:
{"hour": 7, "minute": 24}
